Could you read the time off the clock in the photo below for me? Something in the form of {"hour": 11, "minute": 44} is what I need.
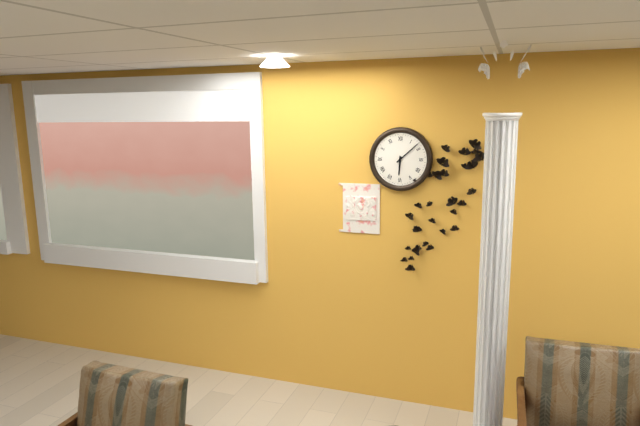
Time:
{"hour": 6, "minute": 8}
